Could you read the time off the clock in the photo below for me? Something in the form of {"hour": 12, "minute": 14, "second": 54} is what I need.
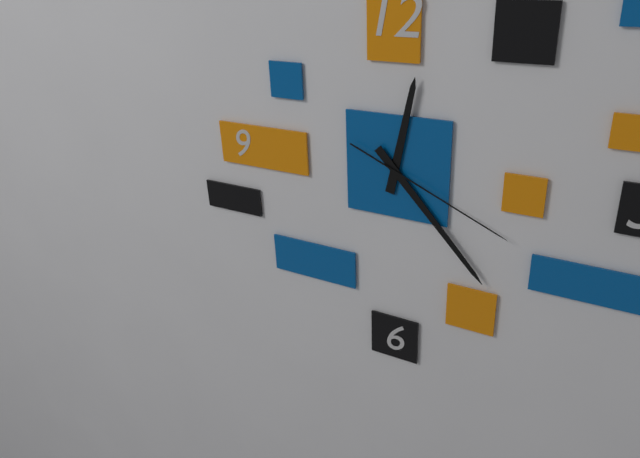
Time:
{"hour": 12, "minute": 23, "second": 19}
